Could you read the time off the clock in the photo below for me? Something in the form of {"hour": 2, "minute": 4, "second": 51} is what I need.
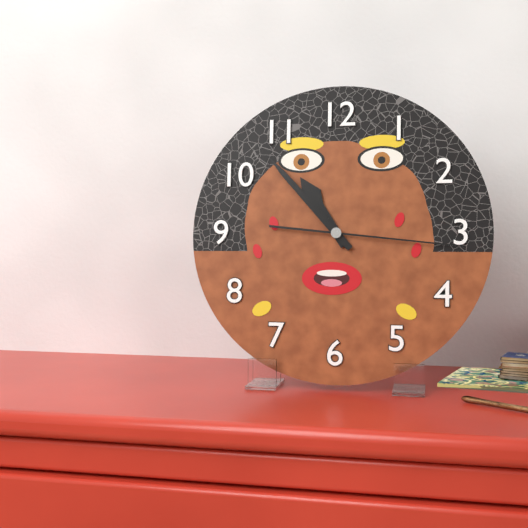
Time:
{"hour": 10, "minute": 53, "second": 16}
